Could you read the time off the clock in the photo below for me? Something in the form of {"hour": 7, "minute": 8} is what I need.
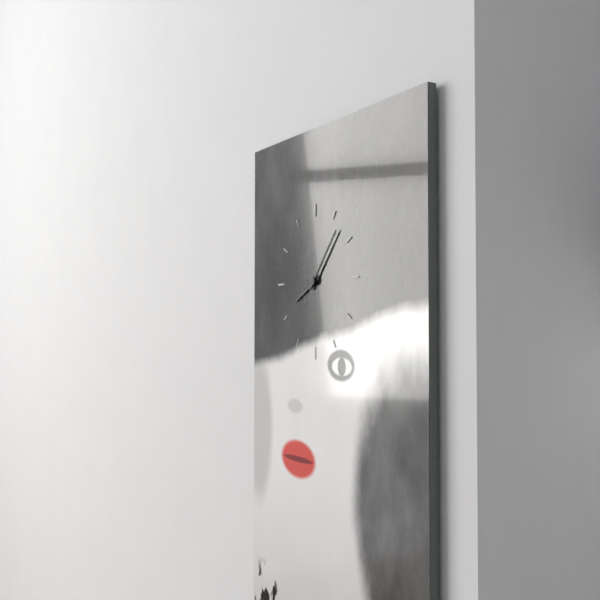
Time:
{"hour": 8, "minute": 7}
